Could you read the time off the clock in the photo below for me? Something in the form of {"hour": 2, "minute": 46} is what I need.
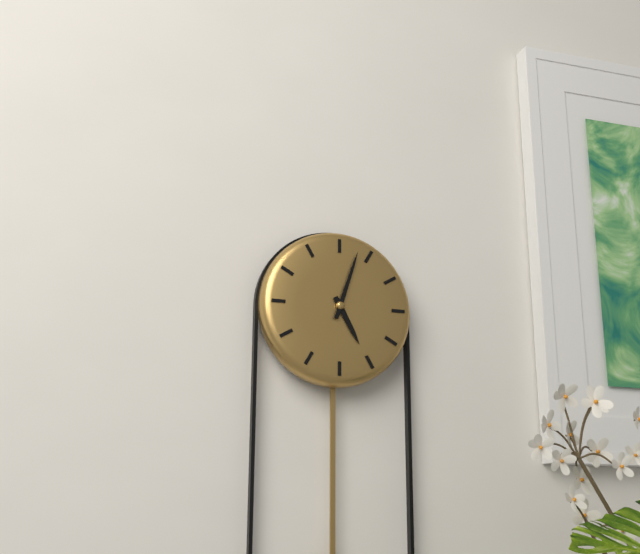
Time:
{"hour": 5, "minute": 3}
